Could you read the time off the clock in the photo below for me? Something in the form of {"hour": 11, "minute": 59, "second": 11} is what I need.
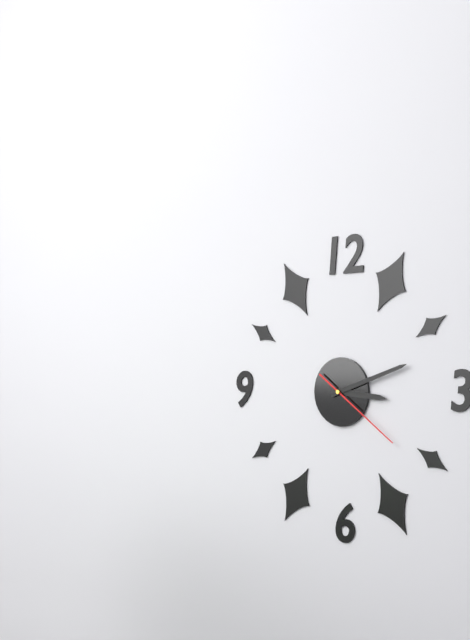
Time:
{"hour": 3, "minute": 12, "second": 21}
